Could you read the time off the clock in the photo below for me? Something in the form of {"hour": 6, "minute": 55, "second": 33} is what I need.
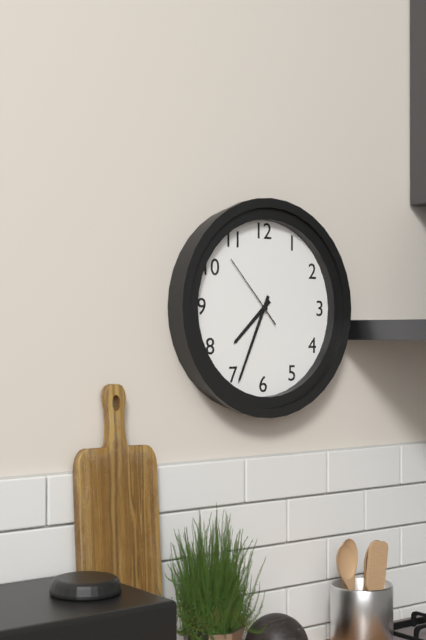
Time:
{"hour": 7, "minute": 34, "second": 53}
